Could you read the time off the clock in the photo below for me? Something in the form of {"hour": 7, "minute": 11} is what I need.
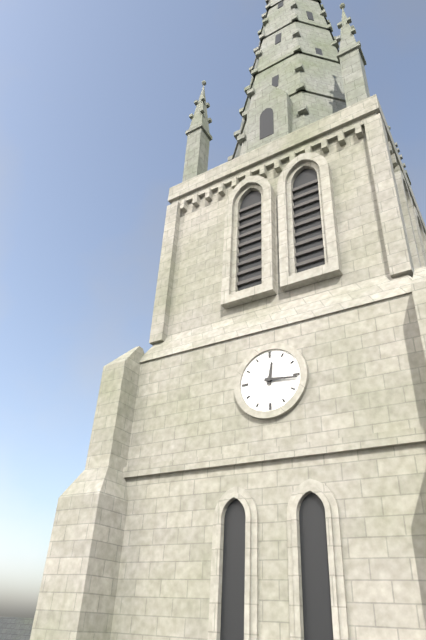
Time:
{"hour": 12, "minute": 16}
